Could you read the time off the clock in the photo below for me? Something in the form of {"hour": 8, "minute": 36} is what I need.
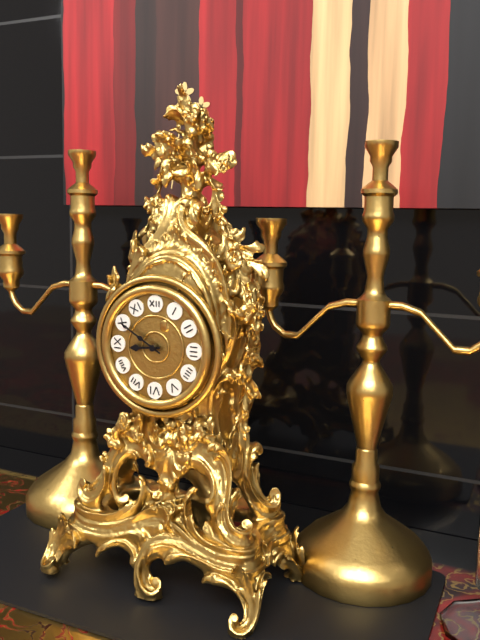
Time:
{"hour": 8, "minute": 50}
